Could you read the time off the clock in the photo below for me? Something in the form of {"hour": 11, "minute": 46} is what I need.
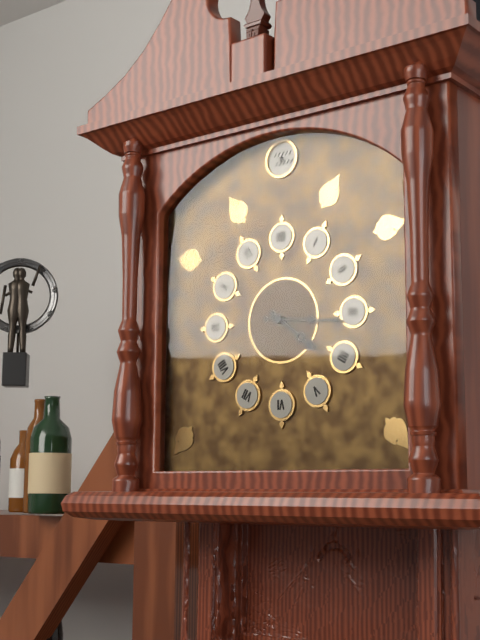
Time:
{"hour": 4, "minute": 16}
